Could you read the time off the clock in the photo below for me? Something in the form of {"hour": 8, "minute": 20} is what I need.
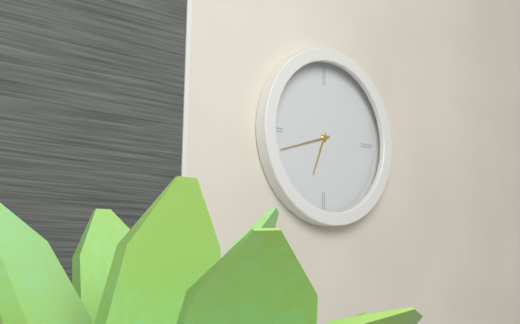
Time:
{"hour": 6, "minute": 42}
